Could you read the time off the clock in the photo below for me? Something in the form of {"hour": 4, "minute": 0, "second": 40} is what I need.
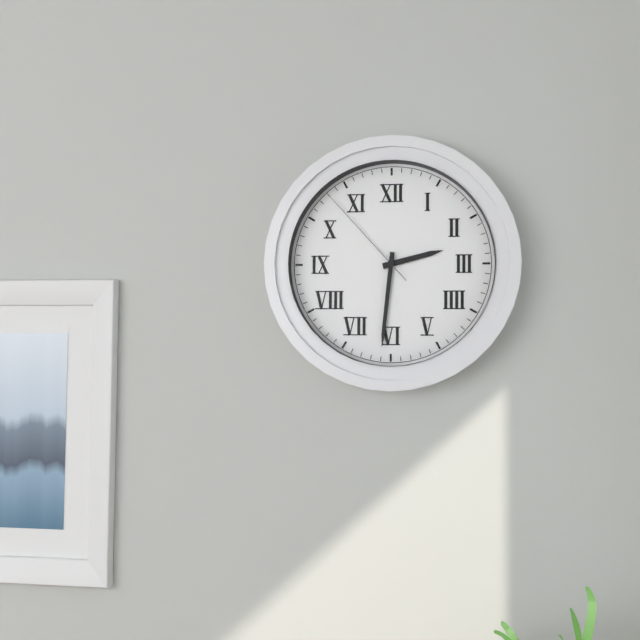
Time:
{"hour": 2, "minute": 31, "second": 53}
